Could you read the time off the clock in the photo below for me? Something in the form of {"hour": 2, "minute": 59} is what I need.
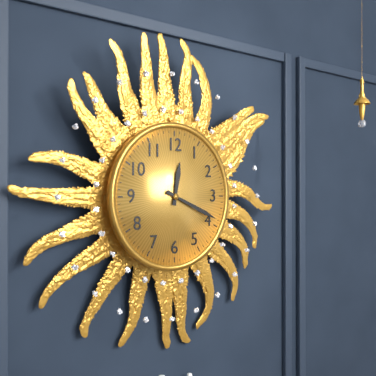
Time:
{"hour": 12, "minute": 19}
